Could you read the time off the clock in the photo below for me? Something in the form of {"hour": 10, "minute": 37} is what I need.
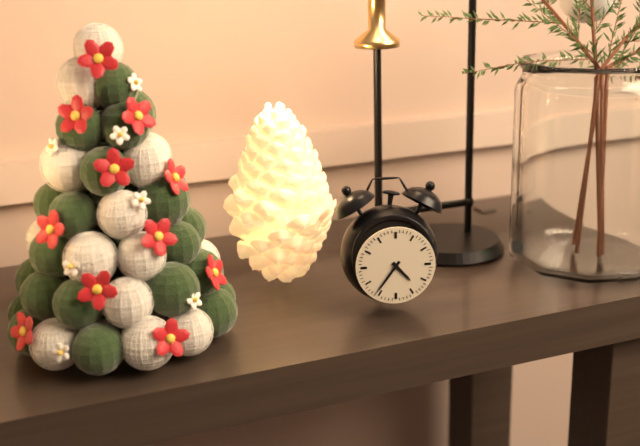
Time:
{"hour": 4, "minute": 36}
